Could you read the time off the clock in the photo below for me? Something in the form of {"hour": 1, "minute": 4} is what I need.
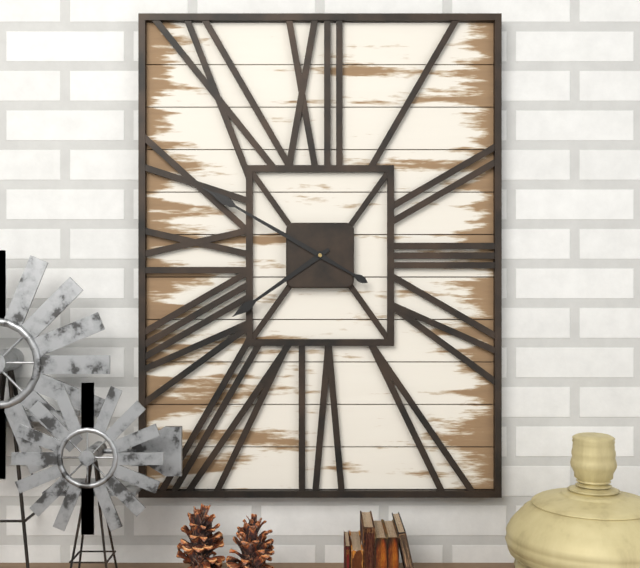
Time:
{"hour": 7, "minute": 50}
